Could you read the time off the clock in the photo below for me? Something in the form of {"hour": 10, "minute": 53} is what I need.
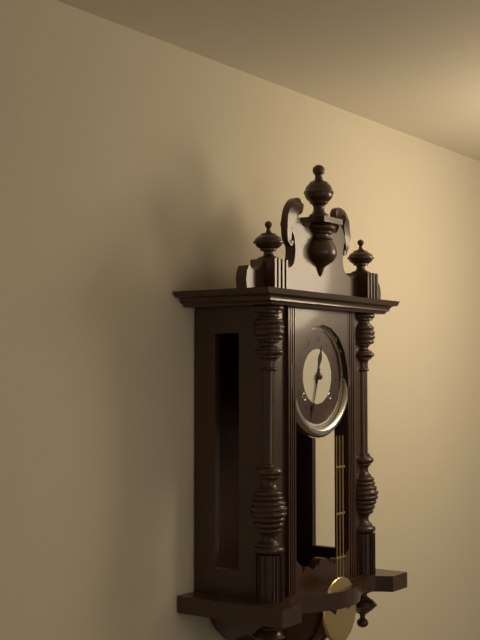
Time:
{"hour": 12, "minute": 33}
